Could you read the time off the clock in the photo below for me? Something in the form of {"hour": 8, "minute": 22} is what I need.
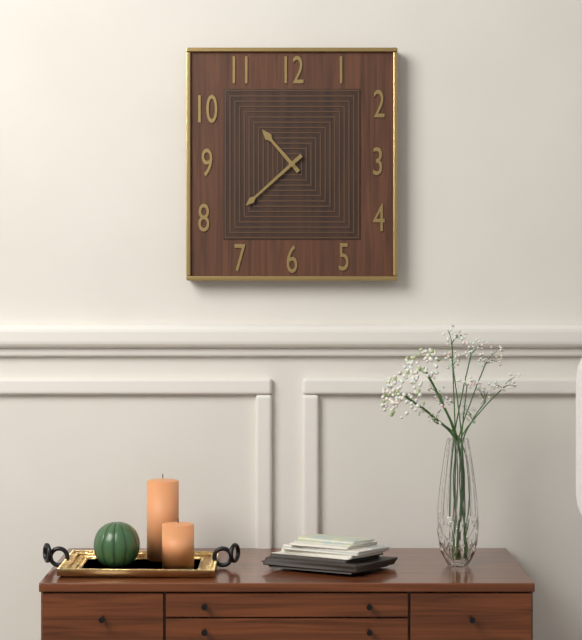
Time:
{"hour": 10, "minute": 38}
